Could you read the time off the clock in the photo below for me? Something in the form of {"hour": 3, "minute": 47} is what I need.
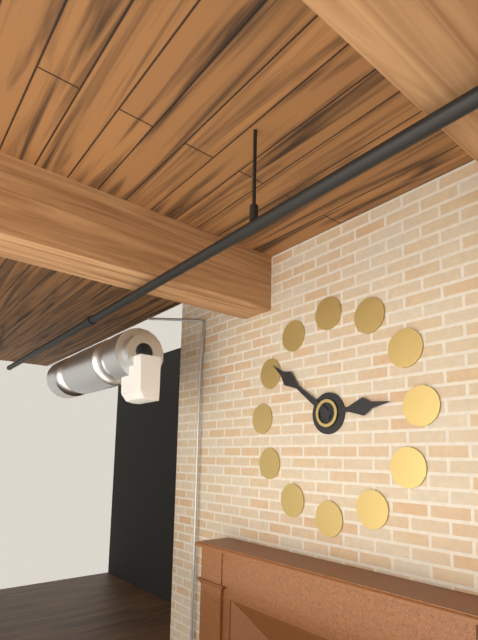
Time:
{"hour": 2, "minute": 51}
